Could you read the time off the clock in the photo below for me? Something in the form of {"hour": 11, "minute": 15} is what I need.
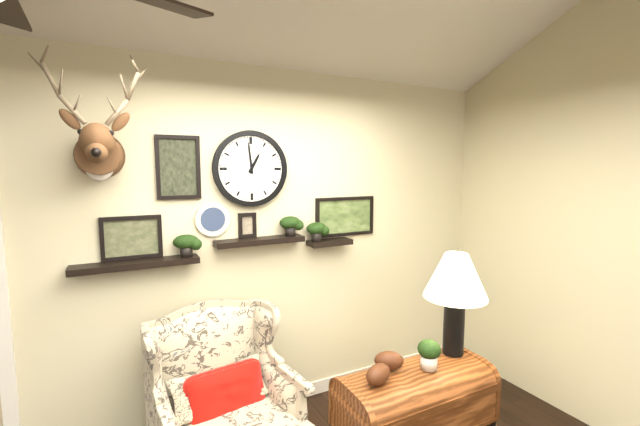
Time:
{"hour": 12, "minute": 59}
